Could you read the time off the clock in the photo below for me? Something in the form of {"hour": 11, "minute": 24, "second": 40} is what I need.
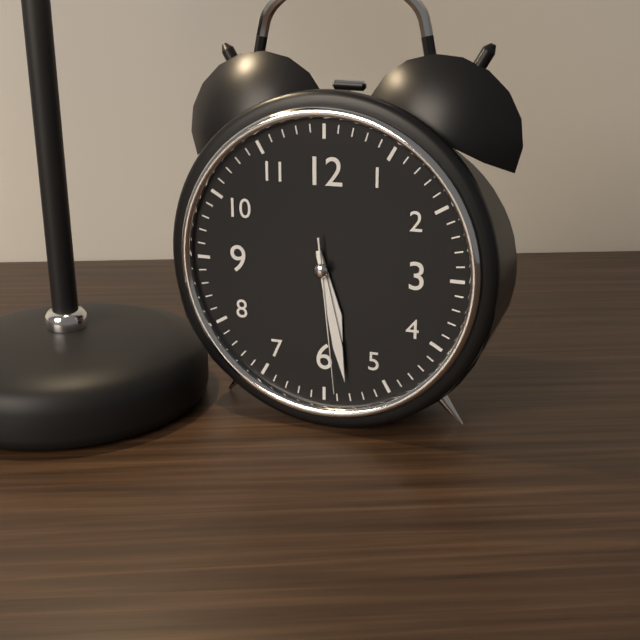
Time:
{"hour": 5, "minute": 28, "second": 29}
